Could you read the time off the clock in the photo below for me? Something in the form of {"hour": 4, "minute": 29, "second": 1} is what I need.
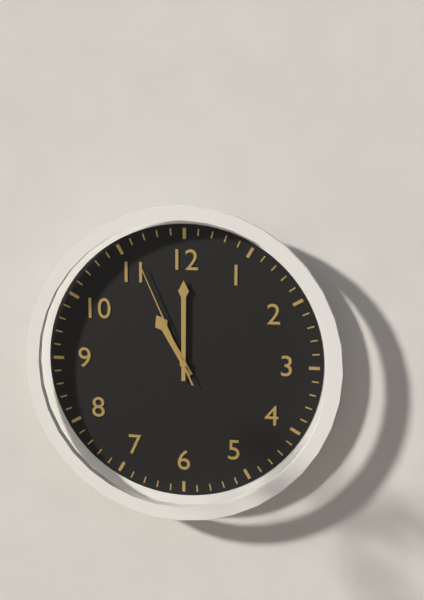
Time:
{"hour": 11, "minute": 0, "second": 56}
